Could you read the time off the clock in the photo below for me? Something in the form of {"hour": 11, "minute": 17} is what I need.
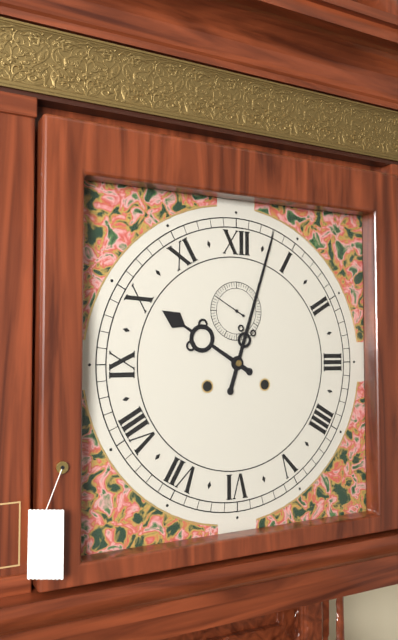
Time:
{"hour": 10, "minute": 3}
